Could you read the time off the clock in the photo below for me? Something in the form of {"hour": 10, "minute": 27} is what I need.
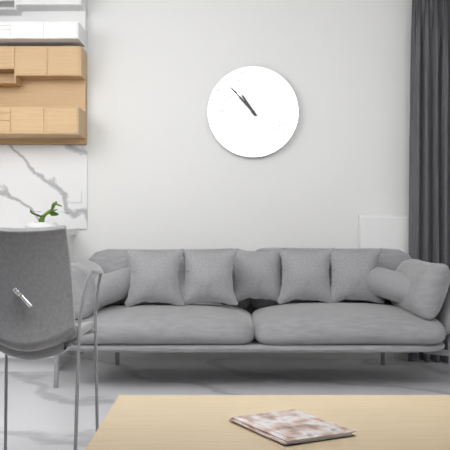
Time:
{"hour": 10, "minute": 53}
